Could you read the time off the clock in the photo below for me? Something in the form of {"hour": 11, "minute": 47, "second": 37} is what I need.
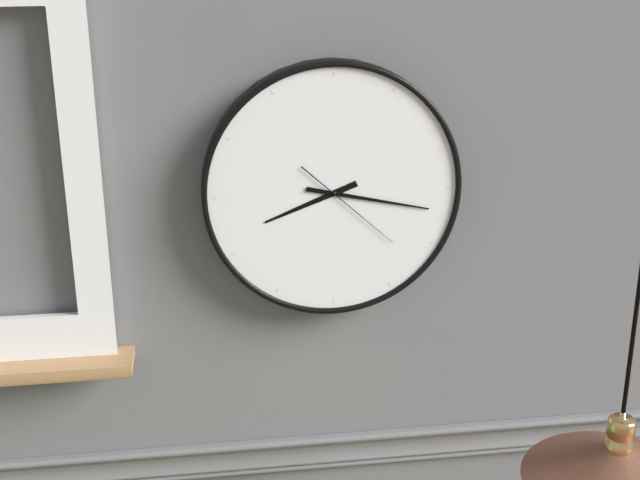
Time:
{"hour": 8, "minute": 17, "second": 22}
